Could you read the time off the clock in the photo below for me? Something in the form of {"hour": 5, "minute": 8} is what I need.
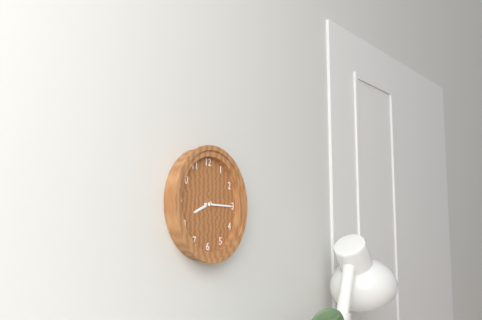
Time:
{"hour": 8, "minute": 15}
